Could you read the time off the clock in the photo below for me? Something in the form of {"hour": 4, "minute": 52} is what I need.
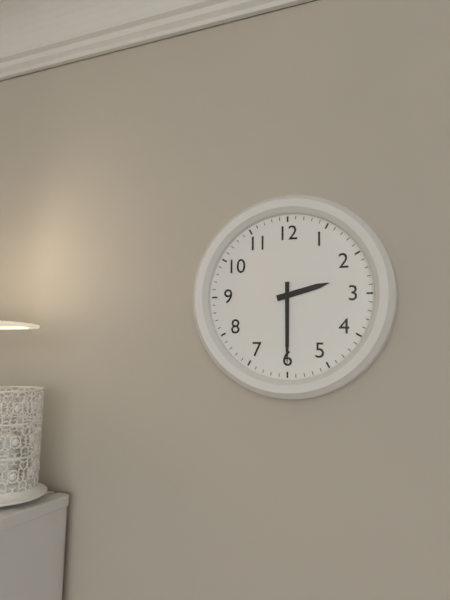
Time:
{"hour": 2, "minute": 30}
